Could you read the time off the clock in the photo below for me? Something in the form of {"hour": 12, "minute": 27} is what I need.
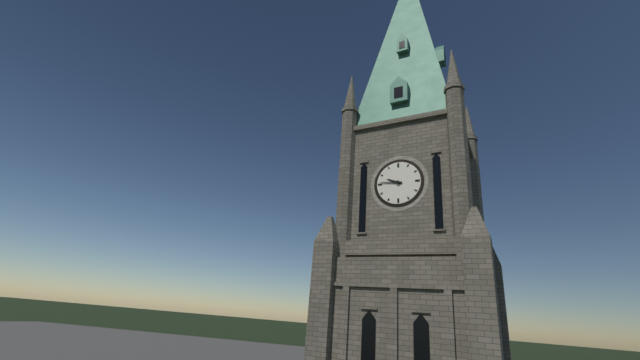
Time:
{"hour": 9, "minute": 46}
